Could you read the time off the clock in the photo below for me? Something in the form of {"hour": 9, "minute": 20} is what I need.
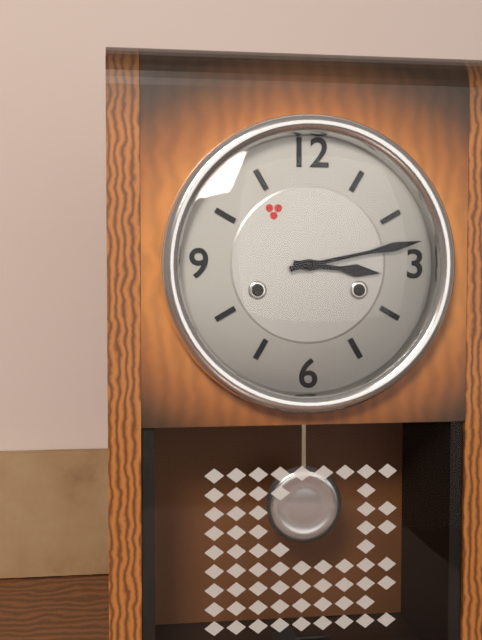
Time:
{"hour": 3, "minute": 13}
